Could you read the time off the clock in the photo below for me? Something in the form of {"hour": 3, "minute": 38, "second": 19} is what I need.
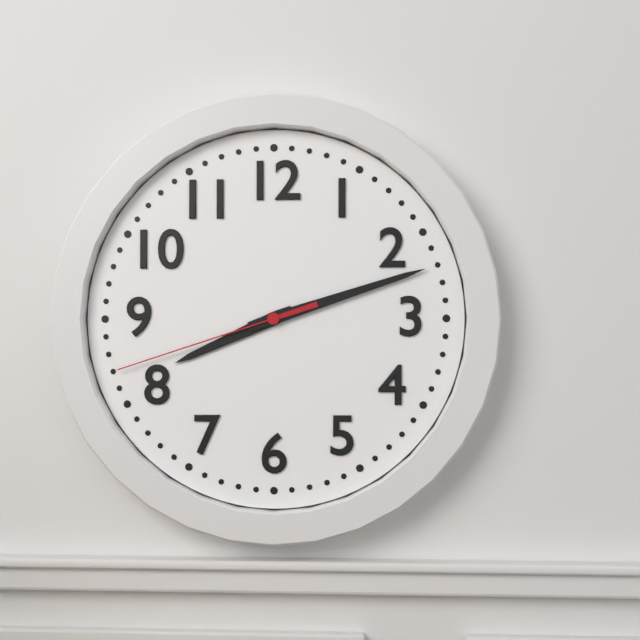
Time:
{"hour": 8, "minute": 12, "second": 42}
